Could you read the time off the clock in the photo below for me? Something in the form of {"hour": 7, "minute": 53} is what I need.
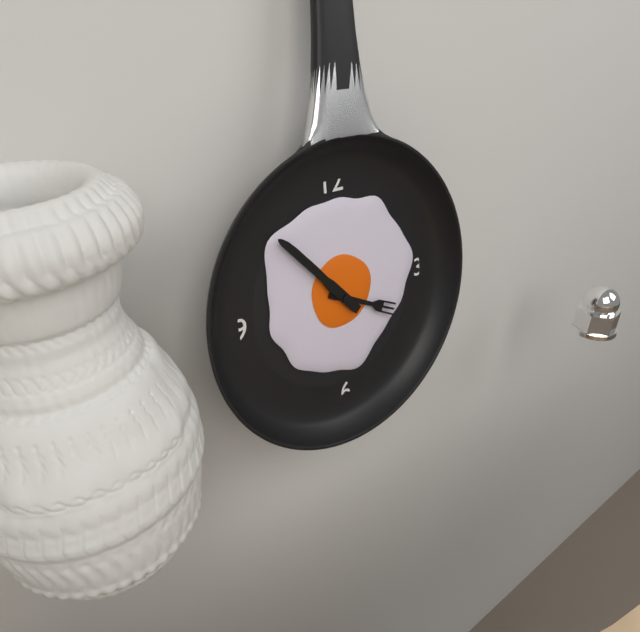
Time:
{"hour": 3, "minute": 53}
